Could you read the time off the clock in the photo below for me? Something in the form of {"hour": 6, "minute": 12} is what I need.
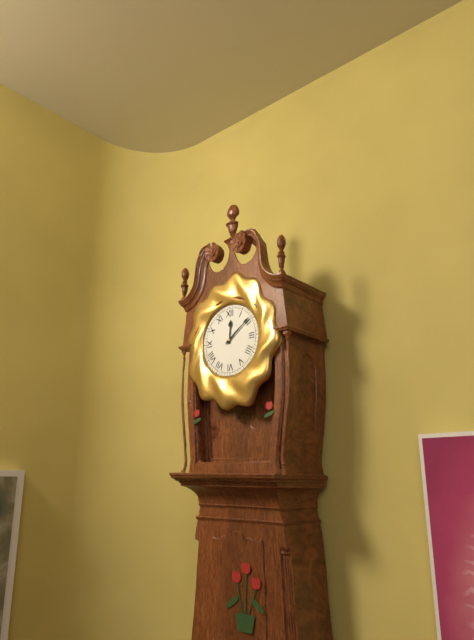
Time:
{"hour": 12, "minute": 9}
